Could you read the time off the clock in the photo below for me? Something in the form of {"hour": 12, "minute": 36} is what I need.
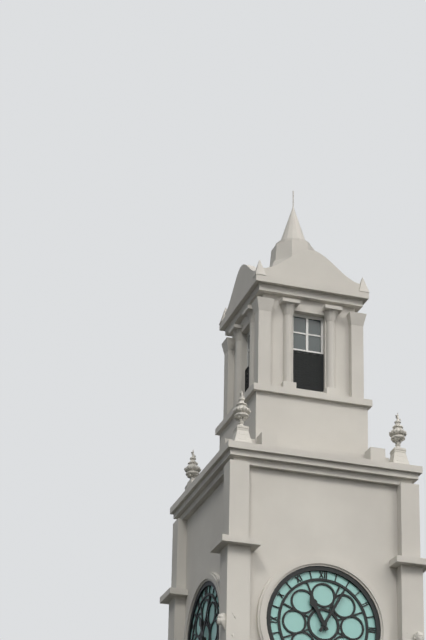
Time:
{"hour": 11, "minute": 5}
